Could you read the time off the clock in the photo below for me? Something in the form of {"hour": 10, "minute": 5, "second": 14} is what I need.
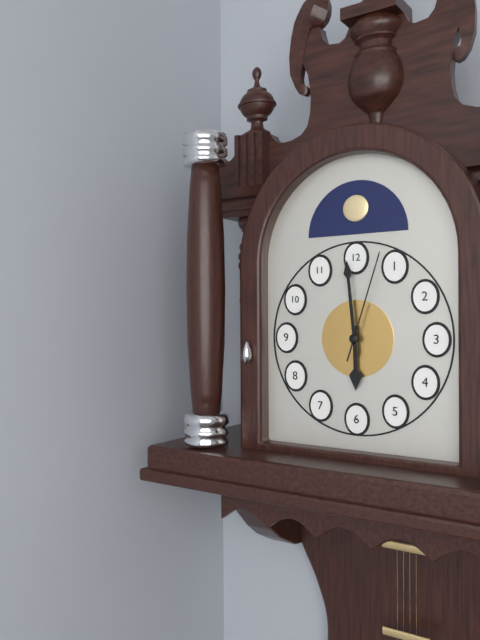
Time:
{"hour": 5, "minute": 59, "second": 3}
